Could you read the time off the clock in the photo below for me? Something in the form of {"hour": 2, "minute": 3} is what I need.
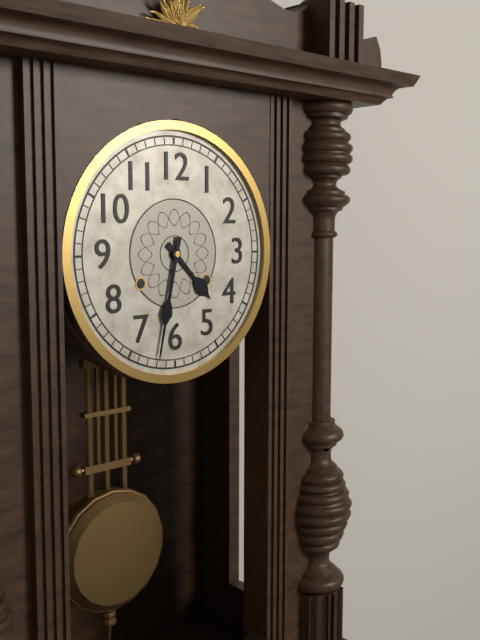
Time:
{"hour": 4, "minute": 32}
